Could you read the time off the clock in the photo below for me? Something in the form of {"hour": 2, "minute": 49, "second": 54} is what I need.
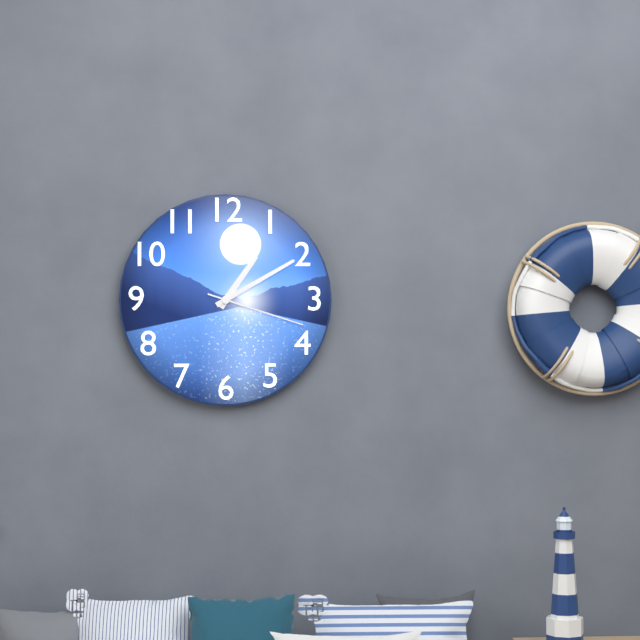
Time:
{"hour": 1, "minute": 10, "second": 18}
